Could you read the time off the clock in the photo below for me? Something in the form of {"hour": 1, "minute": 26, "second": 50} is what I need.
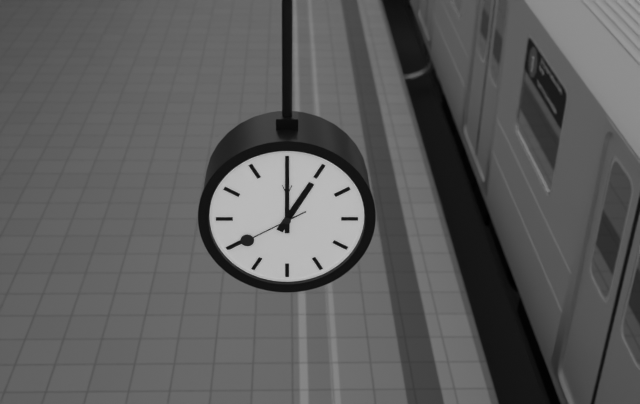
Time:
{"hour": 1, "minute": 0, "second": 40}
